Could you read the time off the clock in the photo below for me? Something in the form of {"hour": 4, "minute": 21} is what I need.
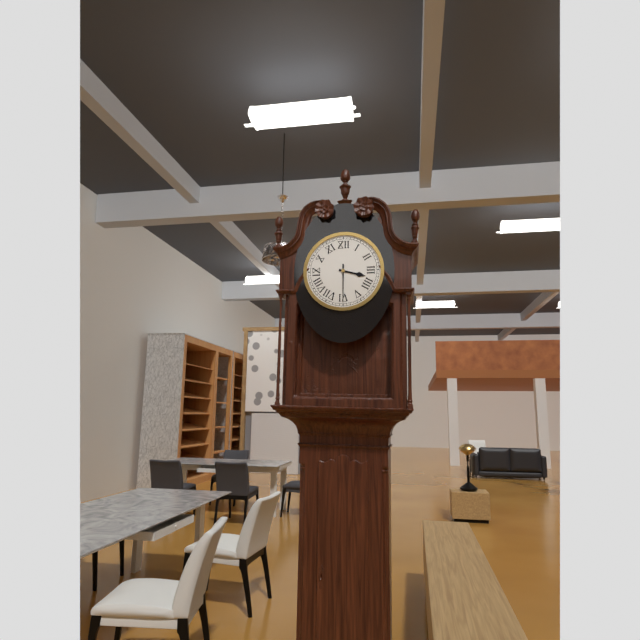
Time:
{"hour": 3, "minute": 30}
